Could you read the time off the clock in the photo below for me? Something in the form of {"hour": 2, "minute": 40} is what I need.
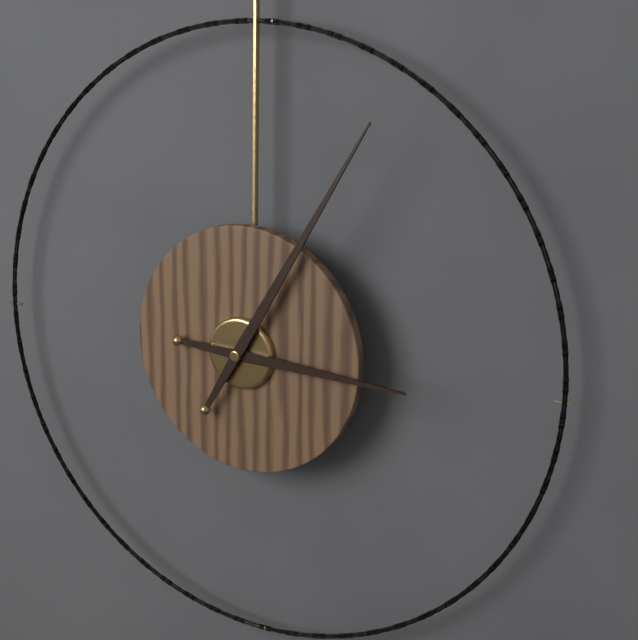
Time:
{"hour": 3, "minute": 5}
